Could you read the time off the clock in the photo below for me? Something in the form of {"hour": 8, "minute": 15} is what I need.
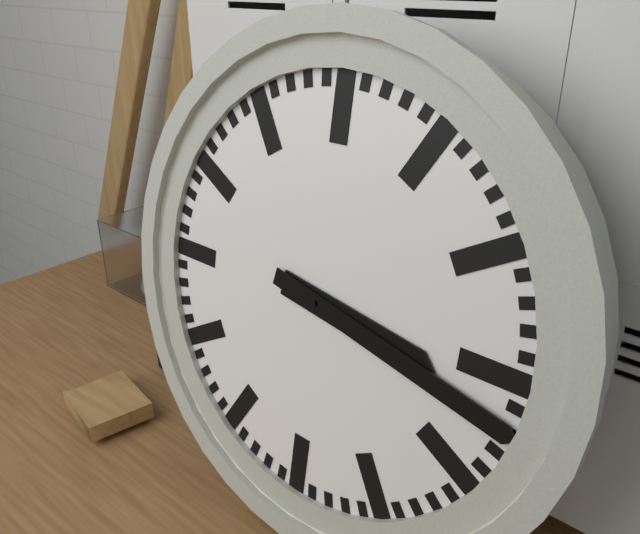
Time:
{"hour": 3, "minute": 17}
